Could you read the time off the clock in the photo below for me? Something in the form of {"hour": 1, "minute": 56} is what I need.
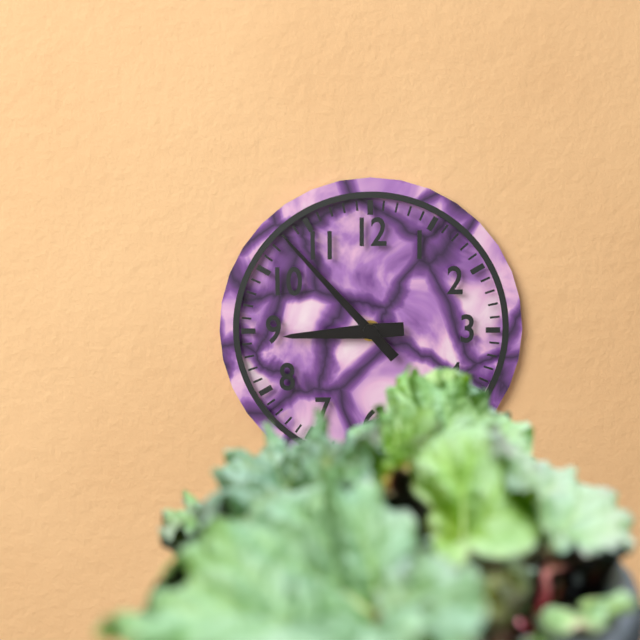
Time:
{"hour": 8, "minute": 53}
